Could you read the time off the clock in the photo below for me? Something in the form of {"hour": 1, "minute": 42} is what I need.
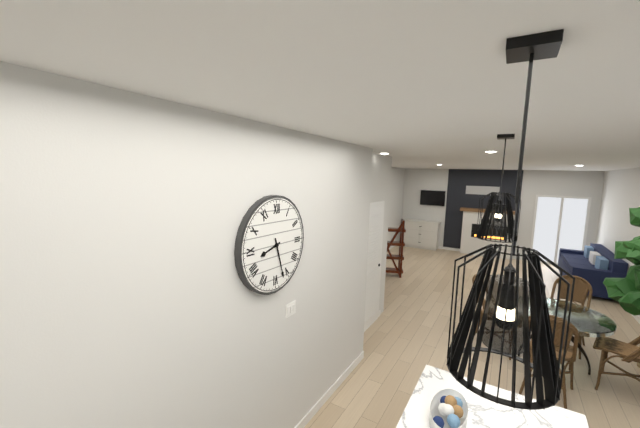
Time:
{"hour": 8, "minute": 27}
